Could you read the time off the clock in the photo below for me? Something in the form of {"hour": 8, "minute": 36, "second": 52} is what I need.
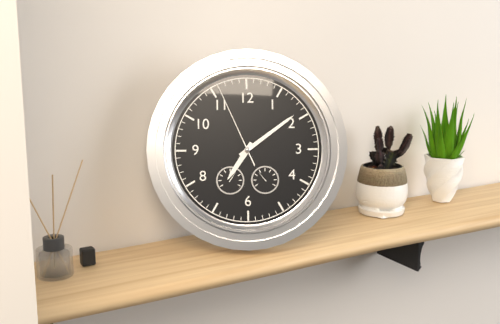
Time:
{"hour": 7, "minute": 9, "second": 56}
